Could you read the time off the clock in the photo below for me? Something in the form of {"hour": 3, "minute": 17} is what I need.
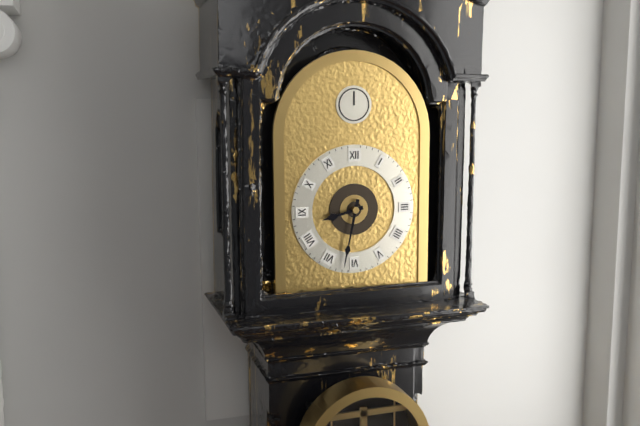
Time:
{"hour": 8, "minute": 32}
